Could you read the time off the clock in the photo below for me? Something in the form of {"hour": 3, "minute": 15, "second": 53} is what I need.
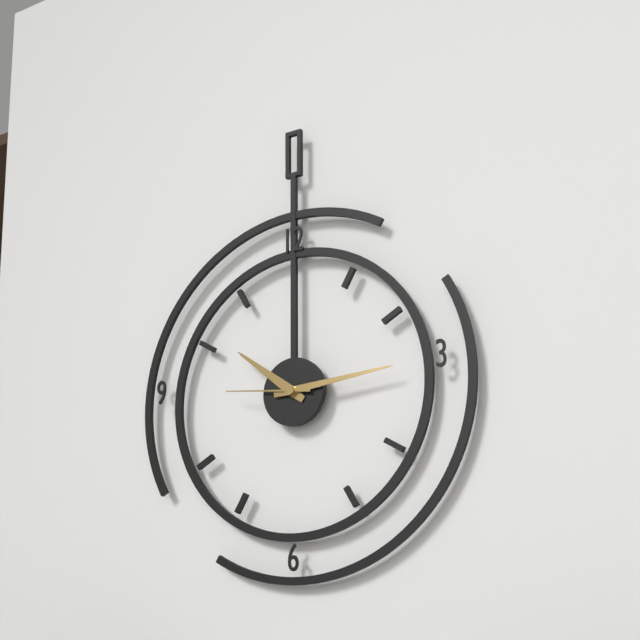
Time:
{"hour": 10, "minute": 14, "second": 46}
